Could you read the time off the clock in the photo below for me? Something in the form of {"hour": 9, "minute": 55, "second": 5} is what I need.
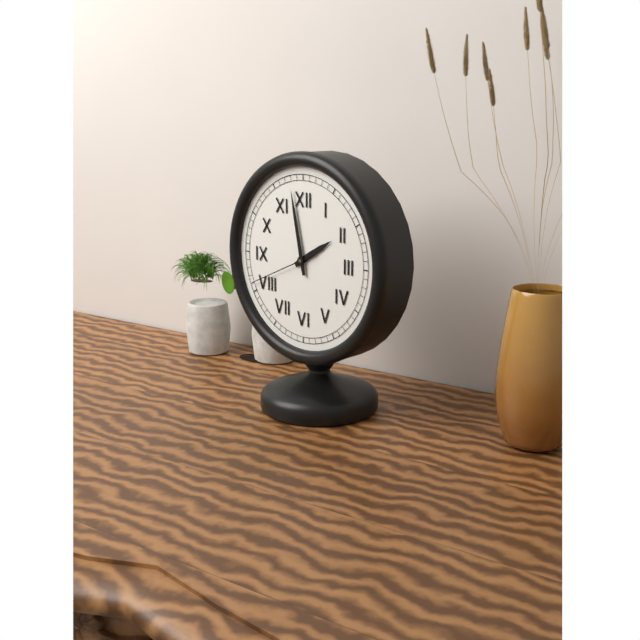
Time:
{"hour": 1, "minute": 58, "second": 41}
